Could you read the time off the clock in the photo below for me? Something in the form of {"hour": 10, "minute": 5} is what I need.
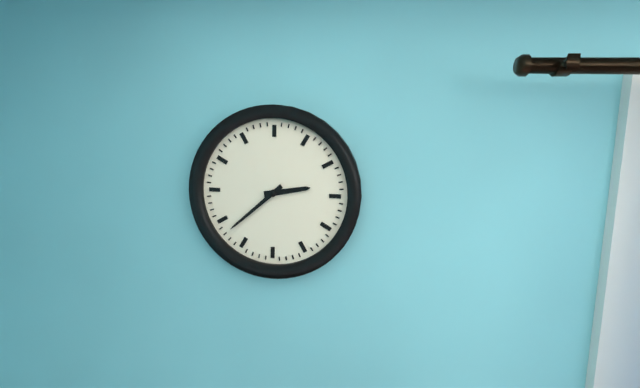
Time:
{"hour": 2, "minute": 38}
